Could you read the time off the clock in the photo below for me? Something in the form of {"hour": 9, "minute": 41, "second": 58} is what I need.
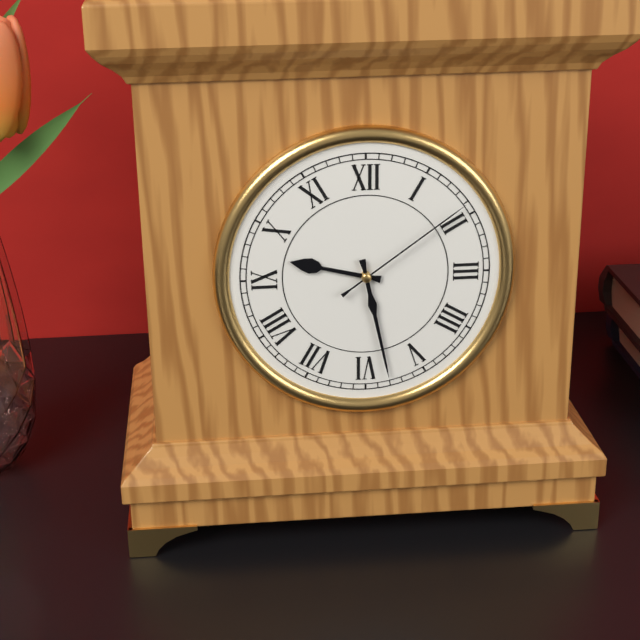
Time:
{"hour": 9, "minute": 28, "second": 9}
